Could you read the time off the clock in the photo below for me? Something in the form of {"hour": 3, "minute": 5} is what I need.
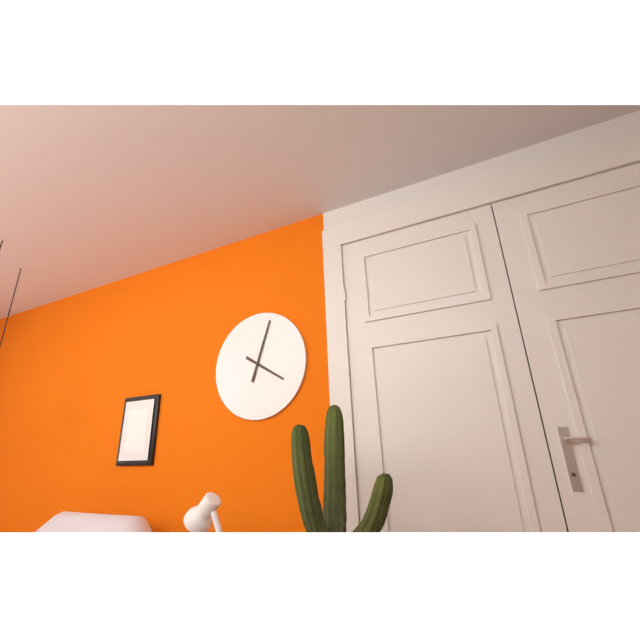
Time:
{"hour": 4, "minute": 3}
